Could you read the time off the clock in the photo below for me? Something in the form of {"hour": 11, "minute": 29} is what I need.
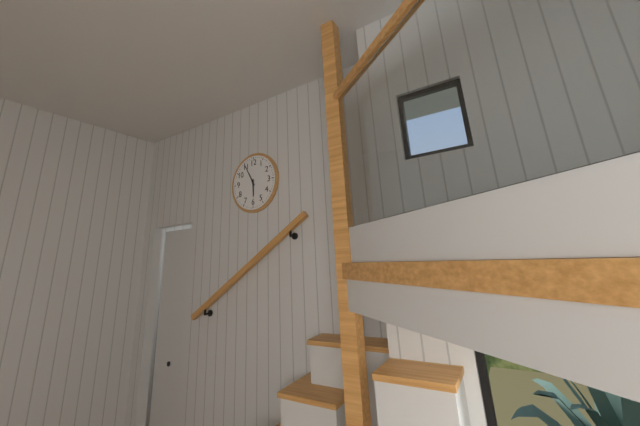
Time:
{"hour": 5, "minute": 55}
